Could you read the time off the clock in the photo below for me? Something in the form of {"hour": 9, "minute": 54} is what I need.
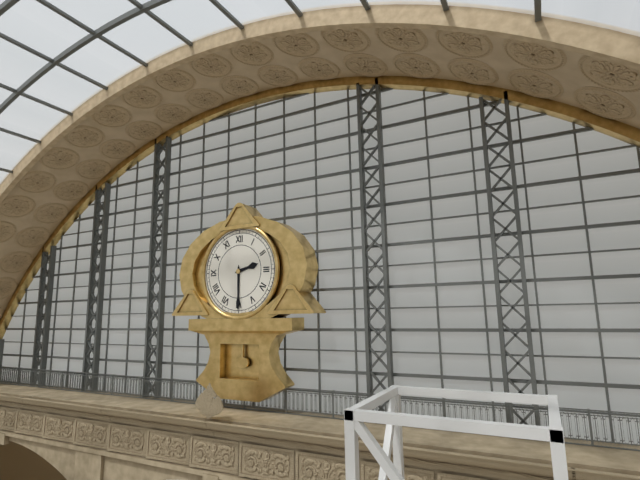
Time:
{"hour": 2, "minute": 30}
